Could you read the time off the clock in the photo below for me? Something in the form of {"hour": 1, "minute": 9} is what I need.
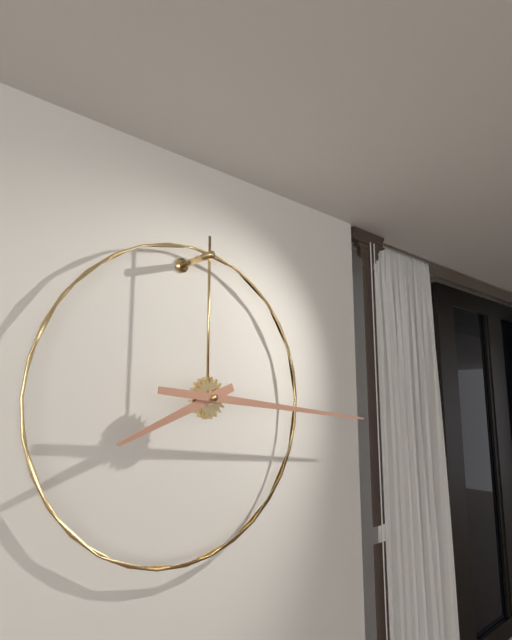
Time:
{"hour": 8, "minute": 16}
